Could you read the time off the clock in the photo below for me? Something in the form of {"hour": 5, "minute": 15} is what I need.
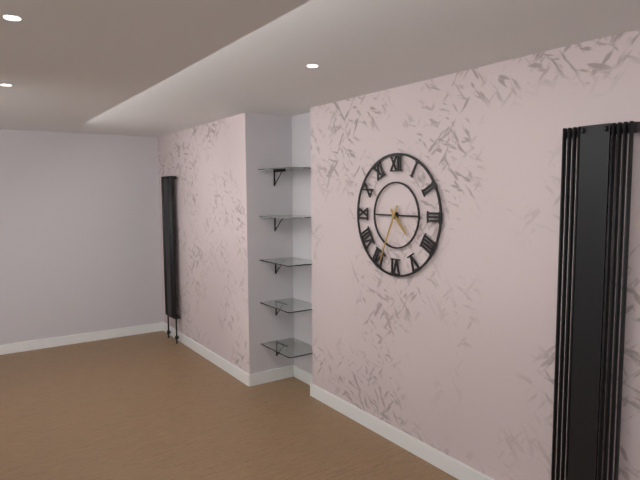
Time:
{"hour": 4, "minute": 34}
